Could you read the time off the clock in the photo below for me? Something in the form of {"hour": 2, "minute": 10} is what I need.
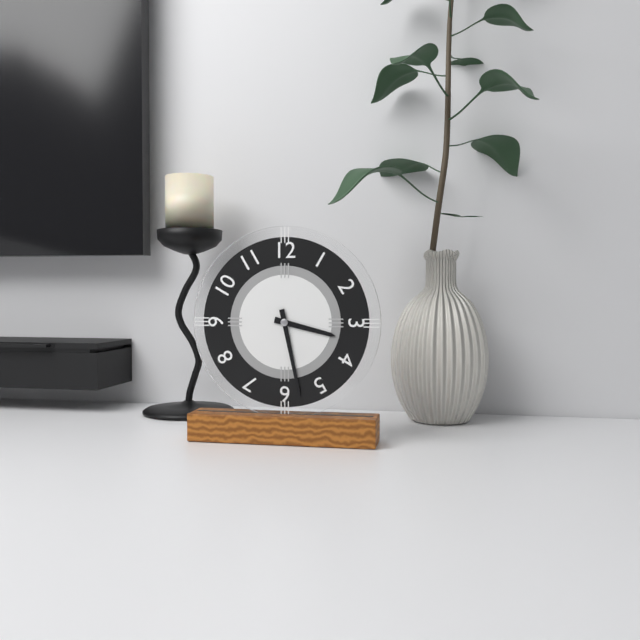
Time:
{"hour": 3, "minute": 28}
